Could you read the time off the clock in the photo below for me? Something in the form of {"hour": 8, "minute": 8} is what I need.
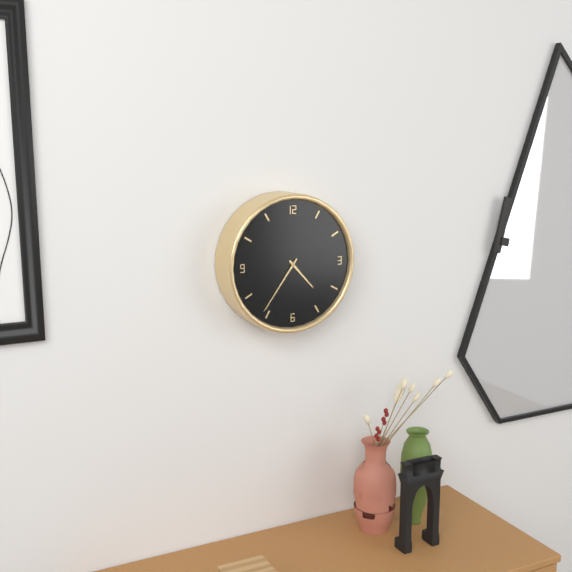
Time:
{"hour": 4, "minute": 36}
